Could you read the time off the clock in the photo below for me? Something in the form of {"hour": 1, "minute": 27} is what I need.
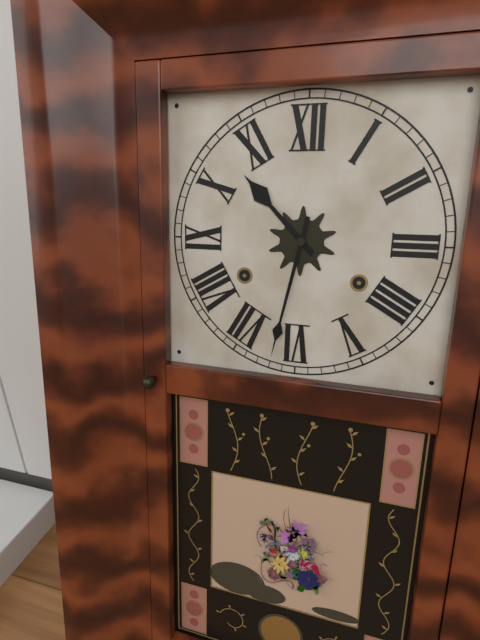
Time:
{"hour": 10, "minute": 32}
